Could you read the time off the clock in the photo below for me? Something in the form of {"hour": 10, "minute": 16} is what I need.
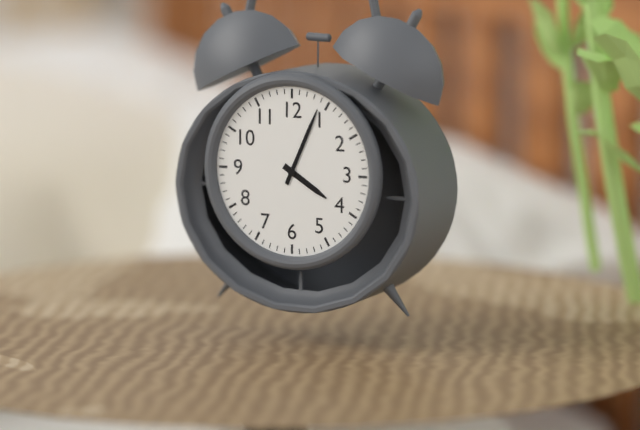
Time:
{"hour": 4, "minute": 4}
